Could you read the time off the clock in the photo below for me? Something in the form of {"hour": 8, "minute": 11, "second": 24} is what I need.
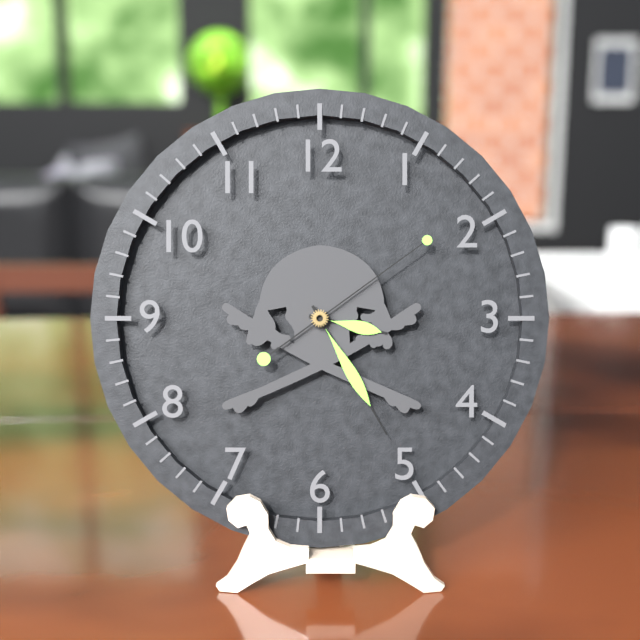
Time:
{"hour": 3, "minute": 25, "second": 9}
